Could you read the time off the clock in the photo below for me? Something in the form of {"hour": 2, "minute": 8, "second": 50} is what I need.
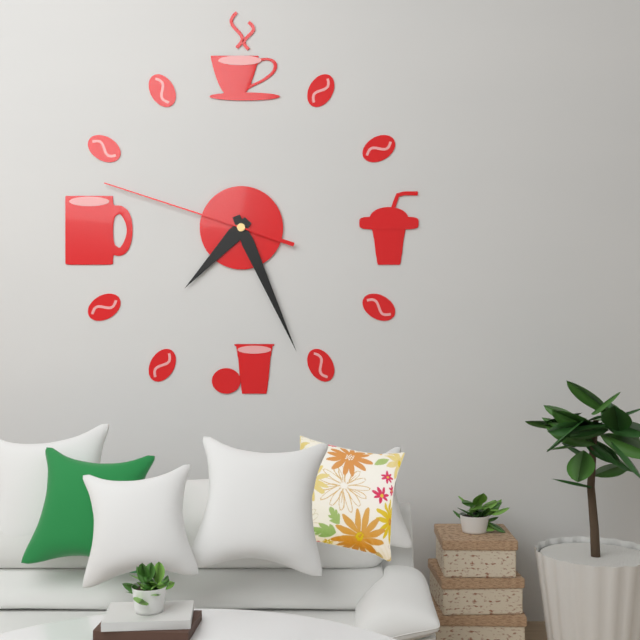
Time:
{"hour": 7, "minute": 26, "second": 48}
